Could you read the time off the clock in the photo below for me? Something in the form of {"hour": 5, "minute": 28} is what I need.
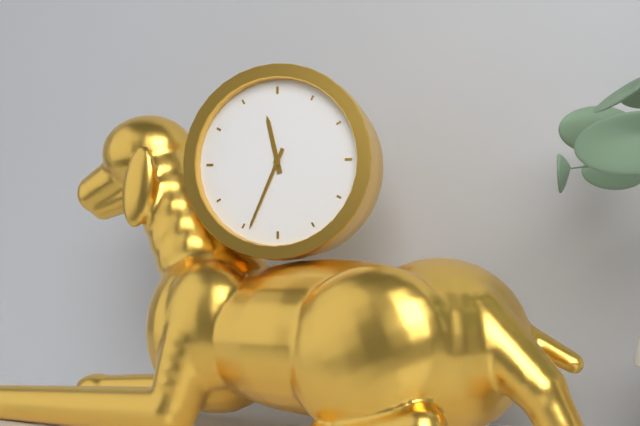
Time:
{"hour": 11, "minute": 34}
